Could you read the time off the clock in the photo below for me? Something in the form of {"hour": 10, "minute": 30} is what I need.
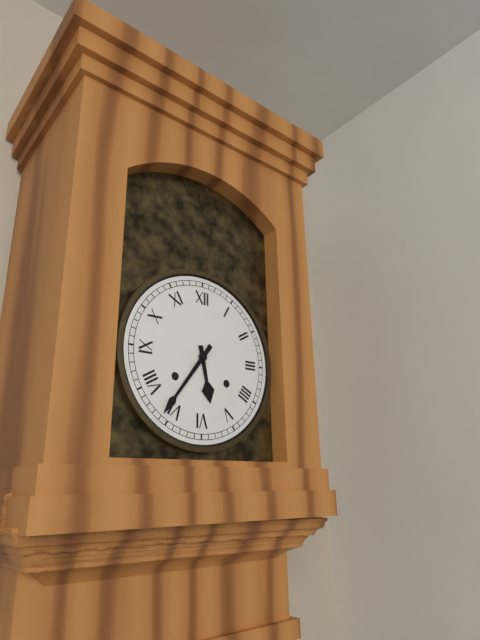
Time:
{"hour": 5, "minute": 36}
